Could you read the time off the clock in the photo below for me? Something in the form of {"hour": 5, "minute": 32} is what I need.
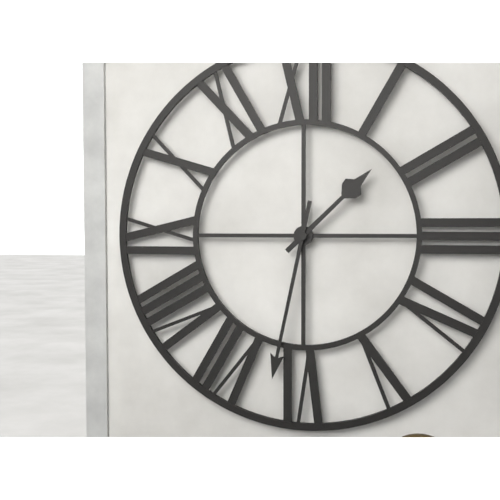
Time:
{"hour": 1, "minute": 32}
